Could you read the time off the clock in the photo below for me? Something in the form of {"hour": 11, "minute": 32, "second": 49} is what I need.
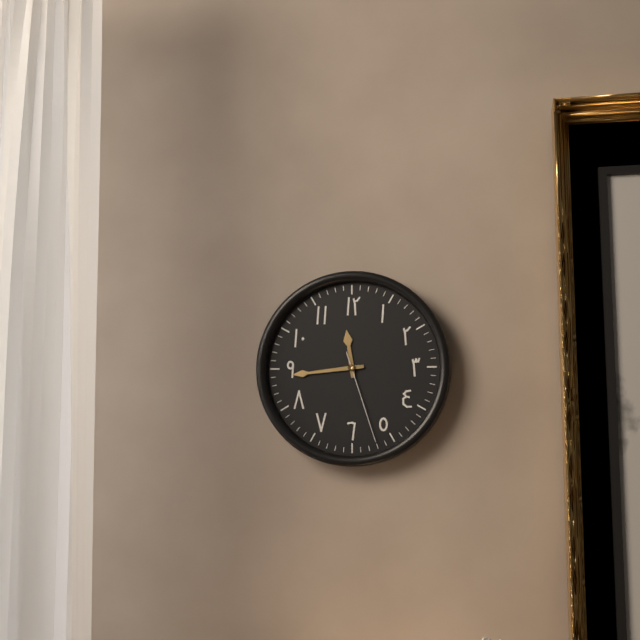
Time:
{"hour": 11, "minute": 44, "second": 27}
